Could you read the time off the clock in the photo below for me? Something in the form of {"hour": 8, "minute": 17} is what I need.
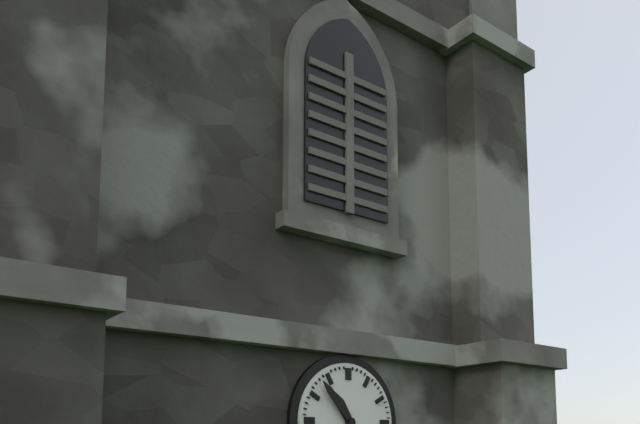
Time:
{"hour": 10, "minute": 53}
